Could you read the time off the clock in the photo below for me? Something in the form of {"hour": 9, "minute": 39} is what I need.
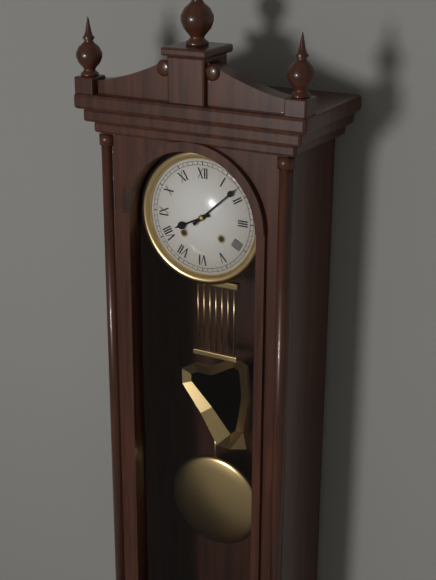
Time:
{"hour": 8, "minute": 8}
